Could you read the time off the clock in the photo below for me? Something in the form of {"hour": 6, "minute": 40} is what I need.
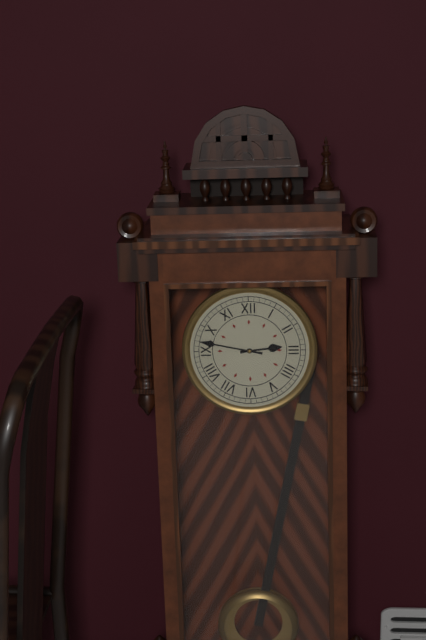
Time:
{"hour": 2, "minute": 47}
